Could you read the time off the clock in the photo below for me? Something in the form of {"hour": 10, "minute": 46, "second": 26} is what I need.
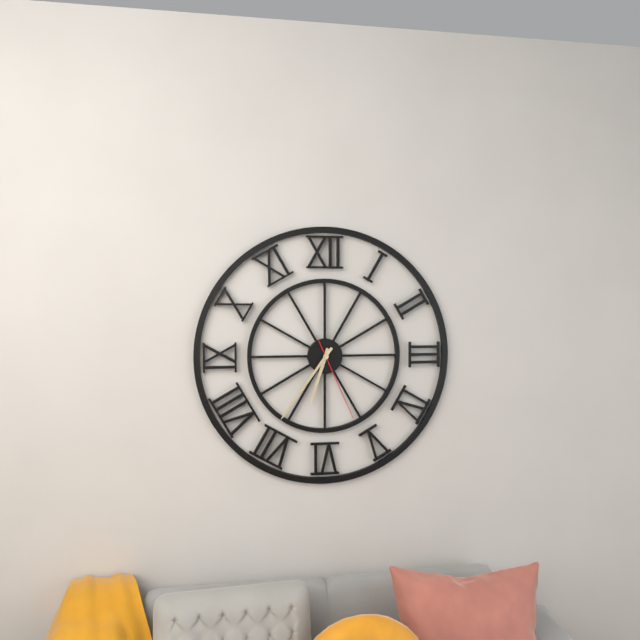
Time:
{"hour": 6, "minute": 36, "second": 26}
